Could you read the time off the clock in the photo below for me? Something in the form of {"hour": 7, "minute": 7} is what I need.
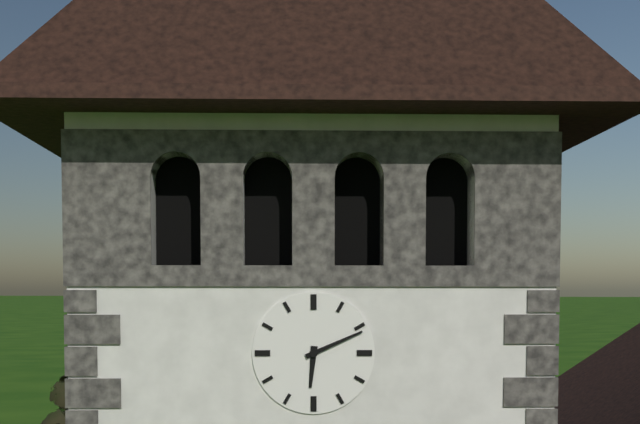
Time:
{"hour": 6, "minute": 11}
